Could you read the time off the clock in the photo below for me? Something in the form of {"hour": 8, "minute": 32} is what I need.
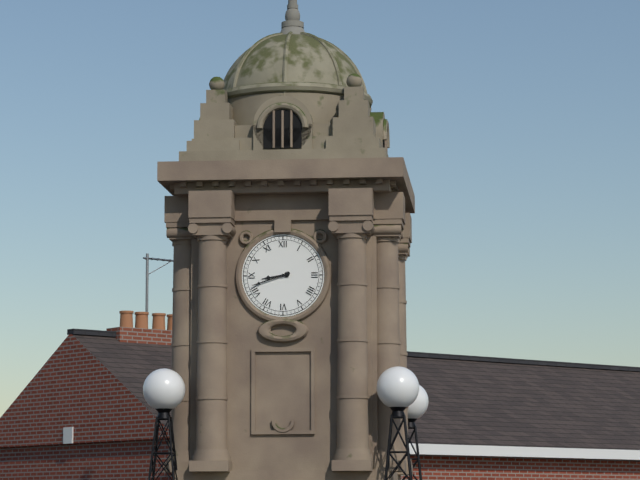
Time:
{"hour": 8, "minute": 42}
